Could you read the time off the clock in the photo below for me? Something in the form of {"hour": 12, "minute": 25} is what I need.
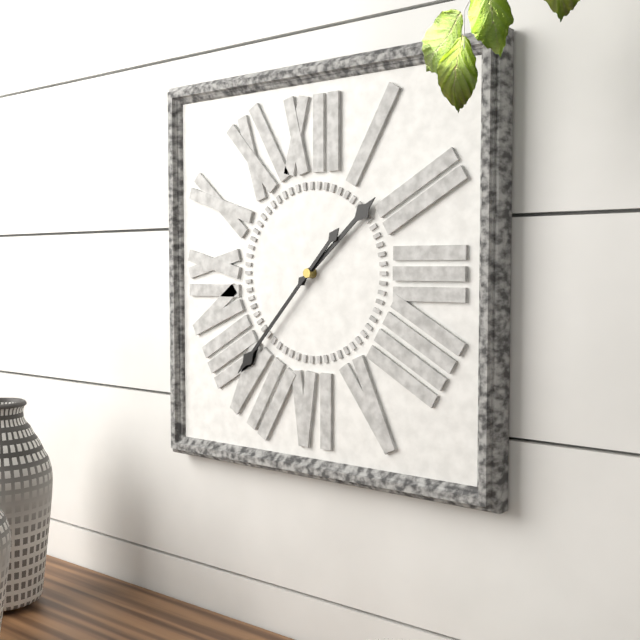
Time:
{"hour": 1, "minute": 37}
